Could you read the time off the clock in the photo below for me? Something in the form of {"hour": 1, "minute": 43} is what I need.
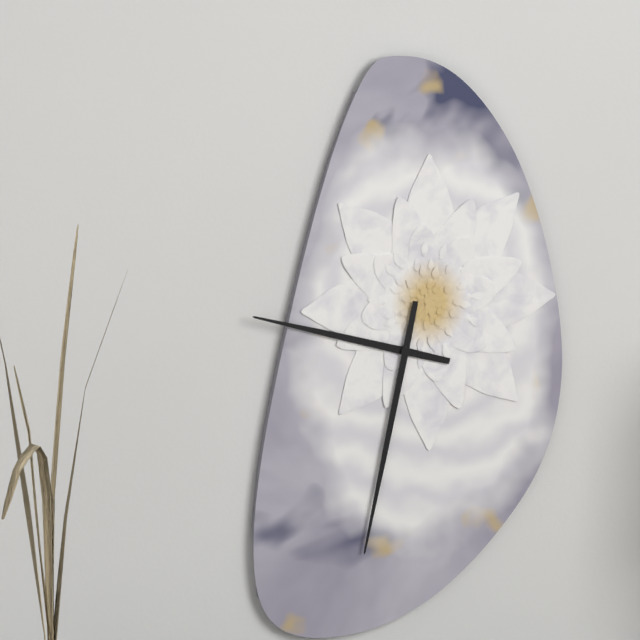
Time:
{"hour": 9, "minute": 32}
